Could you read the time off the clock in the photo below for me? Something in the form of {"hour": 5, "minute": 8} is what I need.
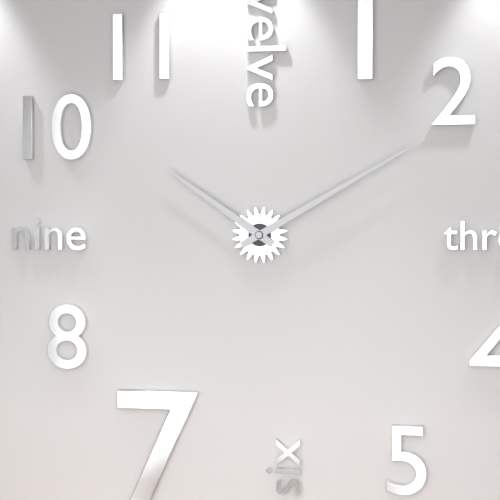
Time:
{"hour": 10, "minute": 10}
